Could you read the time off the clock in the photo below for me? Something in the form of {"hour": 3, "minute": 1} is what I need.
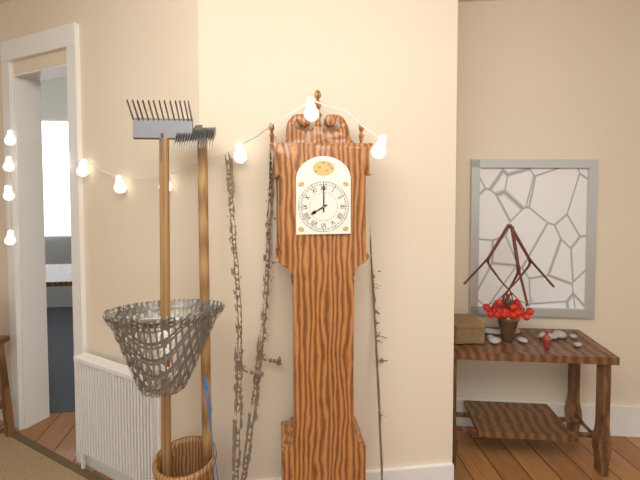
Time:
{"hour": 8, "minute": 0}
